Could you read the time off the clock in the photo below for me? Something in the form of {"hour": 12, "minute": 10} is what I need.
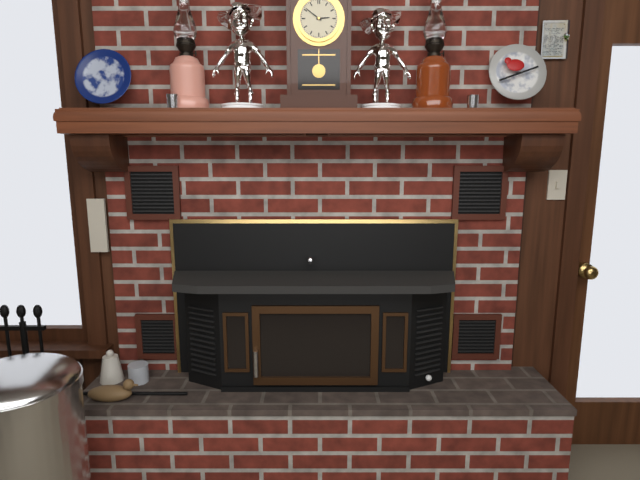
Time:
{"hour": 2, "minute": 51}
